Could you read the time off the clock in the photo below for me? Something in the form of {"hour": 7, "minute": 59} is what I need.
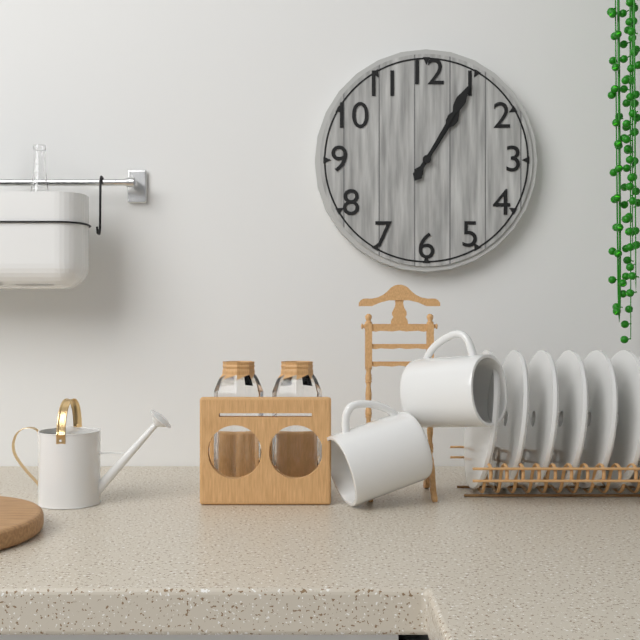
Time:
{"hour": 1, "minute": 5}
